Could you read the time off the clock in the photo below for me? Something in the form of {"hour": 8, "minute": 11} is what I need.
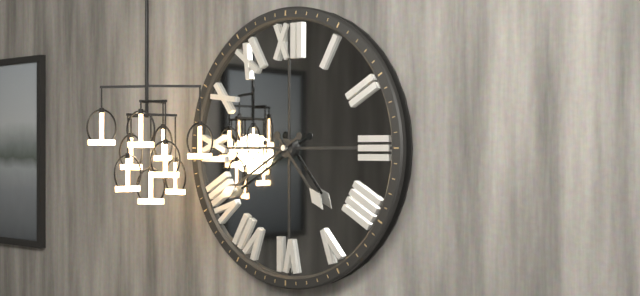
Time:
{"hour": 4, "minute": 40}
